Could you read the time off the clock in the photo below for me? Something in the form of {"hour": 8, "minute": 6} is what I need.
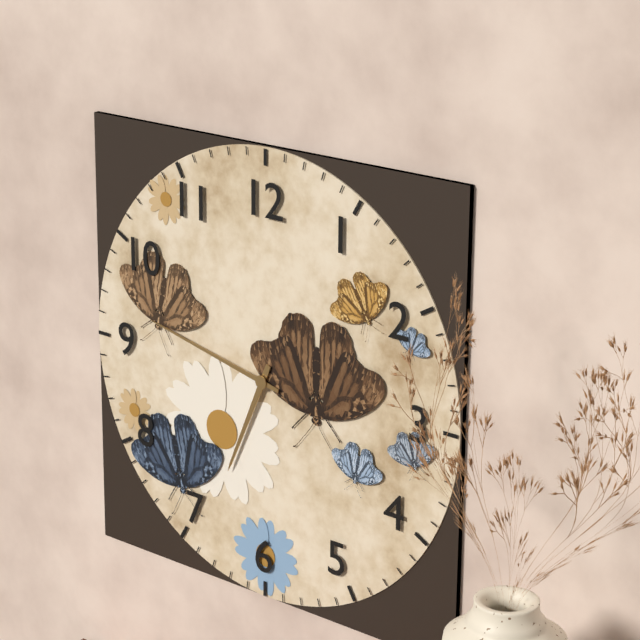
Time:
{"hour": 6, "minute": 47}
